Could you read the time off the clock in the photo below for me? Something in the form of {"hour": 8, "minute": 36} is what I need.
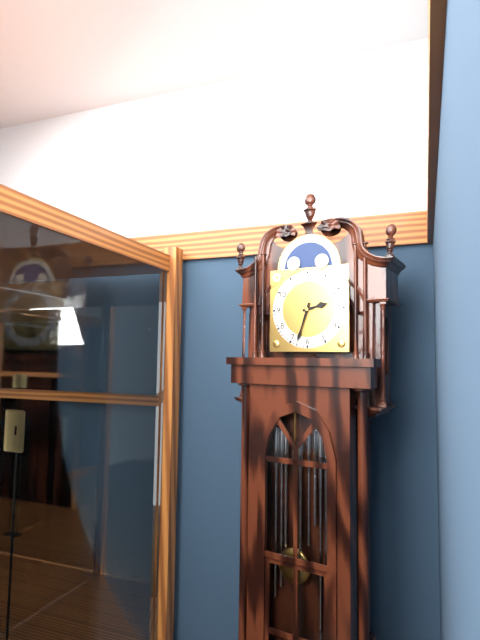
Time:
{"hour": 2, "minute": 33}
